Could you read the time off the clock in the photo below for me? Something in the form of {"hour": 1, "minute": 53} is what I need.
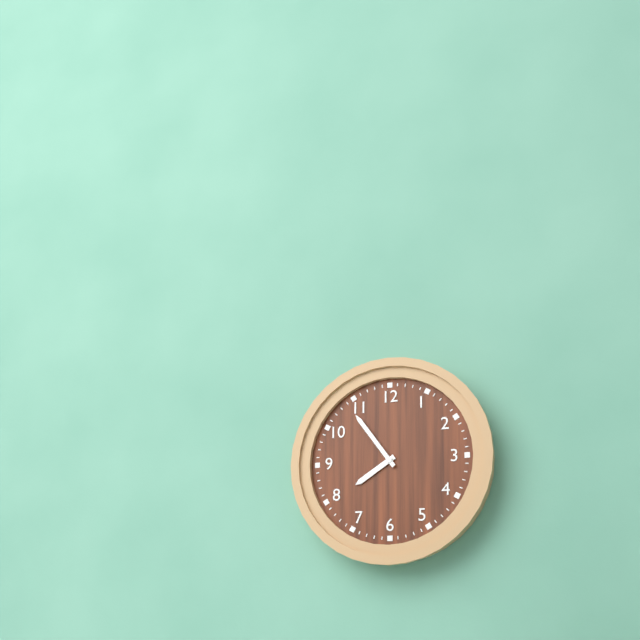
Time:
{"hour": 7, "minute": 54}
